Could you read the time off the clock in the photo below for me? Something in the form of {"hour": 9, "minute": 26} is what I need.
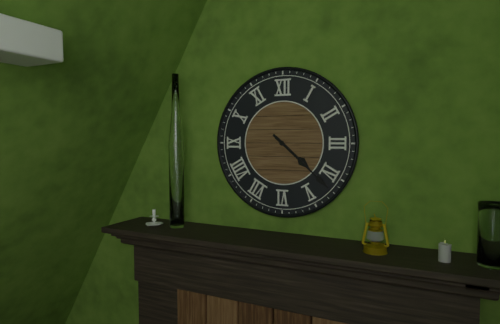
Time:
{"hour": 4, "minute": 22}
